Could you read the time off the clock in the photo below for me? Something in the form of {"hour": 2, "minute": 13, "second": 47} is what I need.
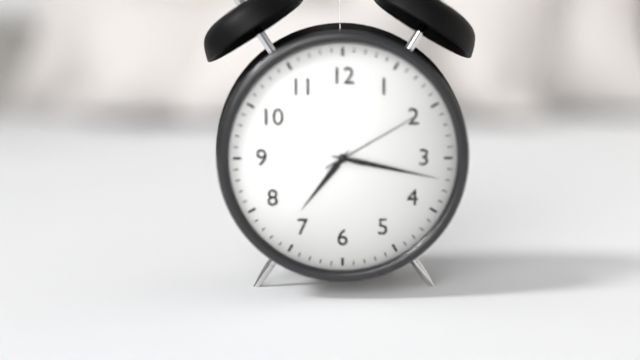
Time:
{"hour": 7, "minute": 17, "second": 10}
